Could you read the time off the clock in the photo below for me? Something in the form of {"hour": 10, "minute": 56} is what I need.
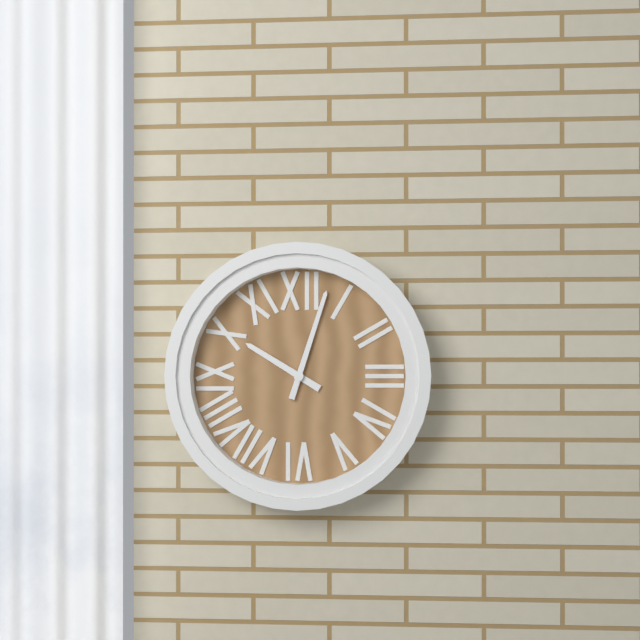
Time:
{"hour": 10, "minute": 3}
